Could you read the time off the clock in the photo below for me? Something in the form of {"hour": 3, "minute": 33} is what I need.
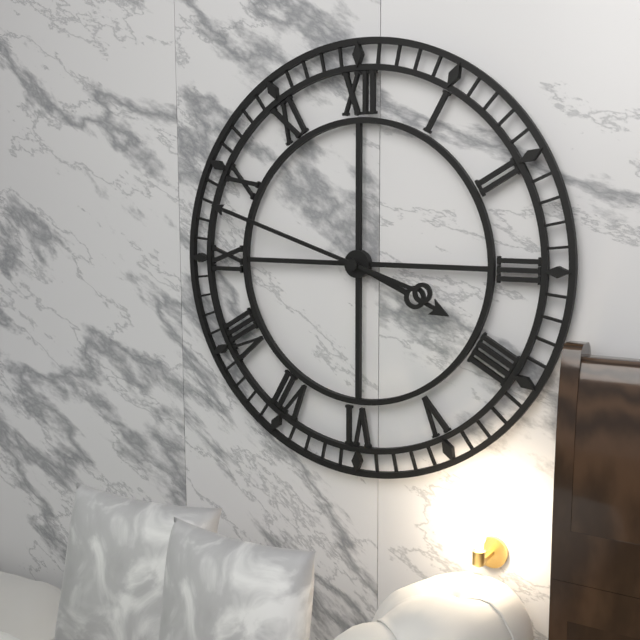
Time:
{"hour": 3, "minute": 48}
